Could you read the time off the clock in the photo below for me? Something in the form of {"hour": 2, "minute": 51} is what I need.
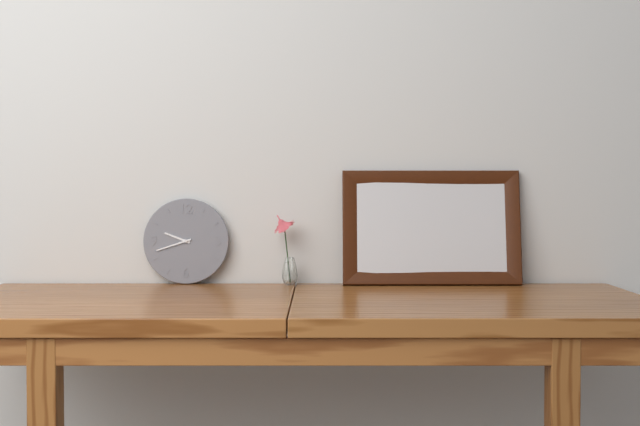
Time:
{"hour": 9, "minute": 42}
